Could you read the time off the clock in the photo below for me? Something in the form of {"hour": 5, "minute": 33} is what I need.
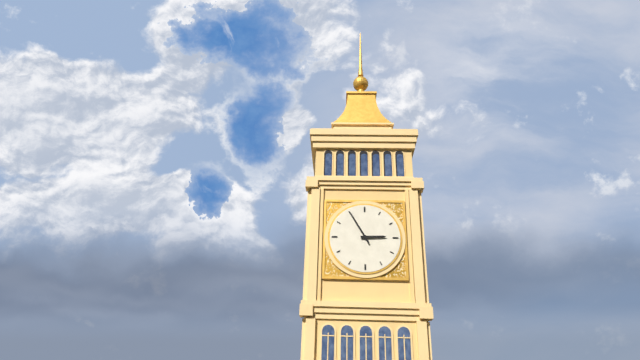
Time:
{"hour": 2, "minute": 55}
